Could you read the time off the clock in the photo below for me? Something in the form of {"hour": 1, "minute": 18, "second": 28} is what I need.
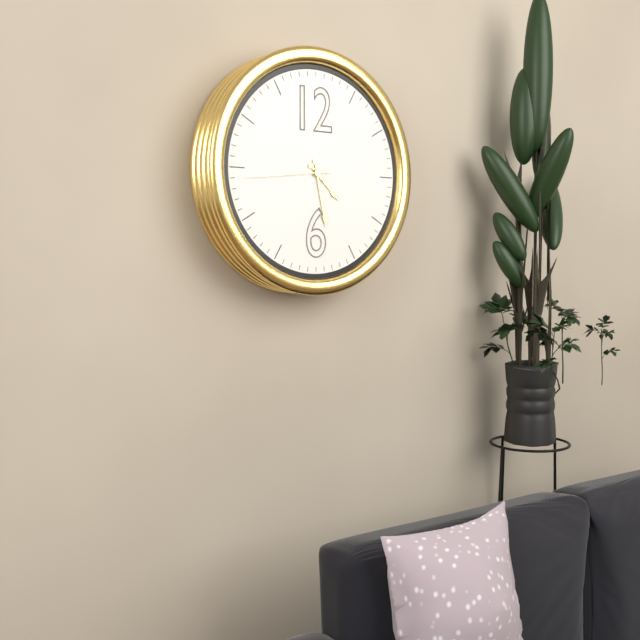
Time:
{"hour": 4, "minute": 28, "second": 44}
